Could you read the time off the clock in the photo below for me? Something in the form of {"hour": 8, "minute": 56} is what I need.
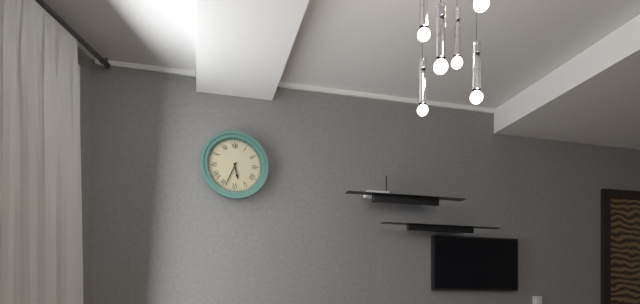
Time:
{"hour": 5, "minute": 34}
